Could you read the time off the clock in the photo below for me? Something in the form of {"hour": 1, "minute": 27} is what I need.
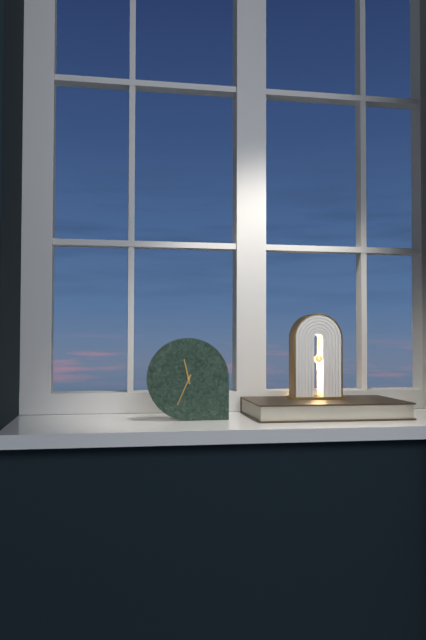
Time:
{"hour": 11, "minute": 34}
